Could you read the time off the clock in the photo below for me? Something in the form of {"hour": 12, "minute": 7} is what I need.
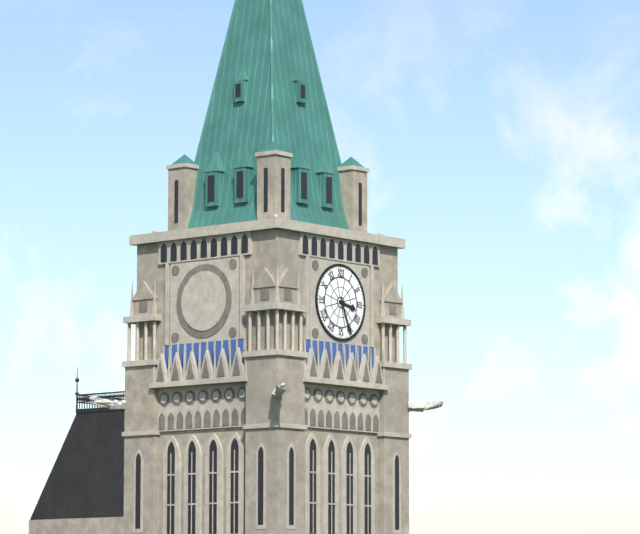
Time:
{"hour": 3, "minute": 26}
